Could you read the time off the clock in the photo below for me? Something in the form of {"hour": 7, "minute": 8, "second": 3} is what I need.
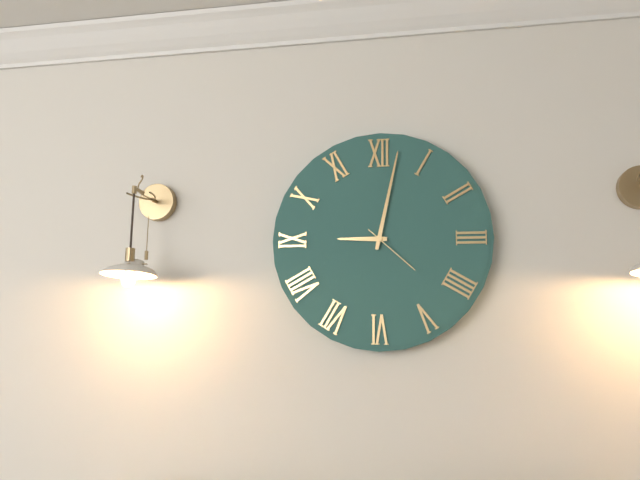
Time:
{"hour": 9, "minute": 2, "second": 22}
